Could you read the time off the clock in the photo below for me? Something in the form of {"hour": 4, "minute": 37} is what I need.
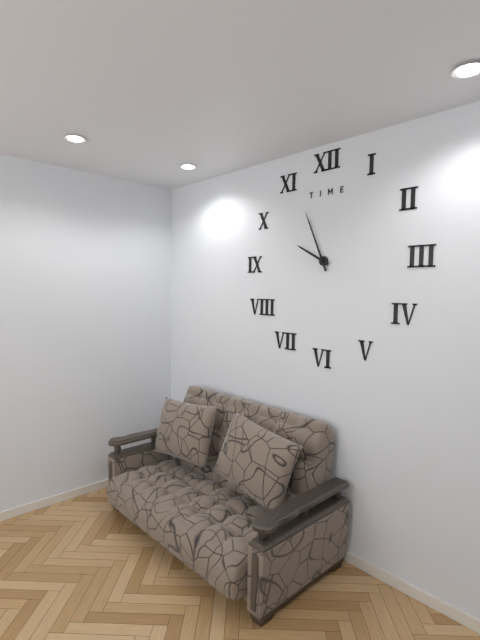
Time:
{"hour": 9, "minute": 56}
